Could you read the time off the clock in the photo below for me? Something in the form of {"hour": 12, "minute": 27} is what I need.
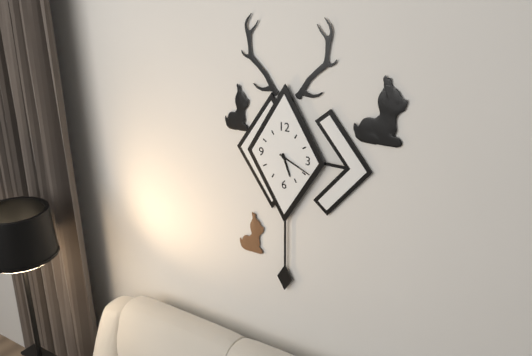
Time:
{"hour": 5, "minute": 19}
